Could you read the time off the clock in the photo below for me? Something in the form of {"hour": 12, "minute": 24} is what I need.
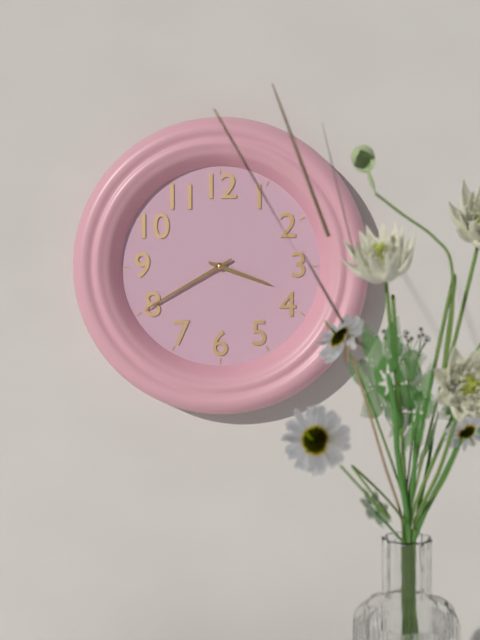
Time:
{"hour": 3, "minute": 40}
